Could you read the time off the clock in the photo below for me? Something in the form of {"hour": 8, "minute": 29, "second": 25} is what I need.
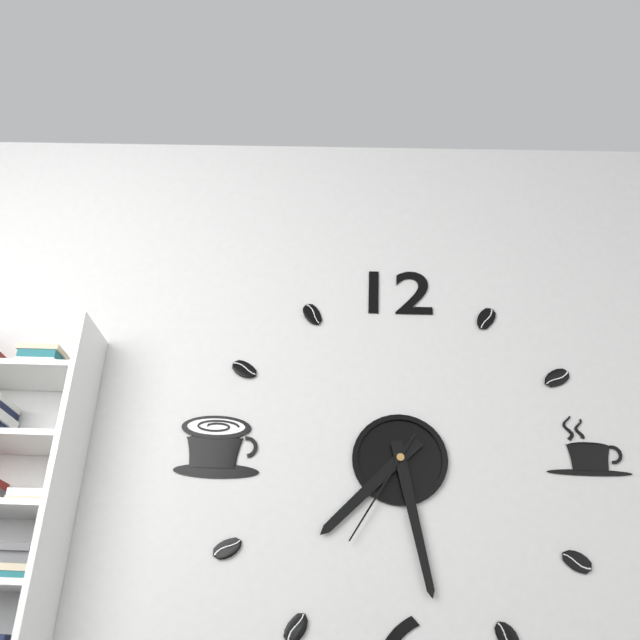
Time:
{"hour": 7, "minute": 28, "second": 35}
